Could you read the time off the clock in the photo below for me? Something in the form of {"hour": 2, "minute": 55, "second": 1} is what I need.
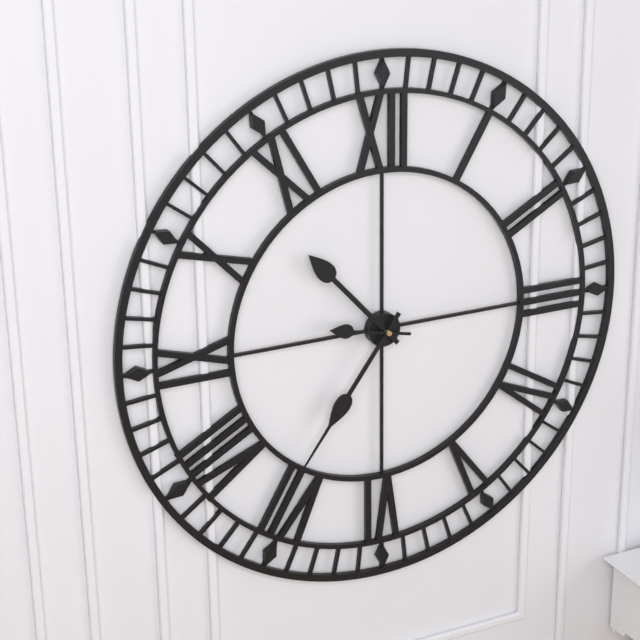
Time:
{"hour": 10, "minute": 36, "second": 47}
